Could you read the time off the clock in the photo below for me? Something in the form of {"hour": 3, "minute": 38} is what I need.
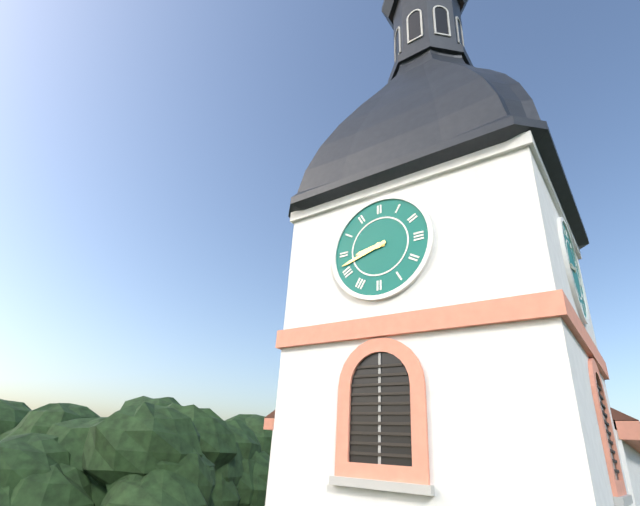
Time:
{"hour": 8, "minute": 42}
